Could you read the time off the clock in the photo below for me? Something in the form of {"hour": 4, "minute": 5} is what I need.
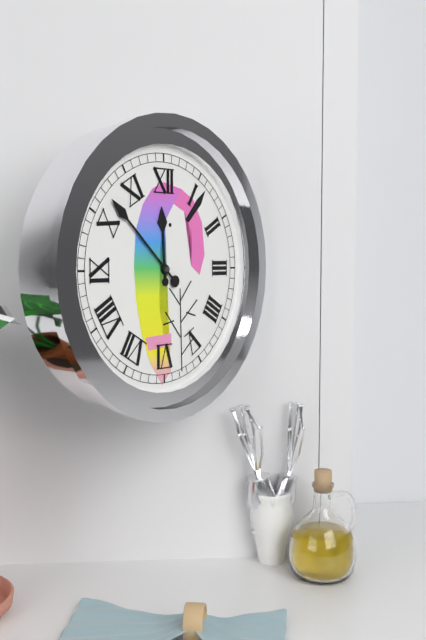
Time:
{"hour": 11, "minute": 52}
